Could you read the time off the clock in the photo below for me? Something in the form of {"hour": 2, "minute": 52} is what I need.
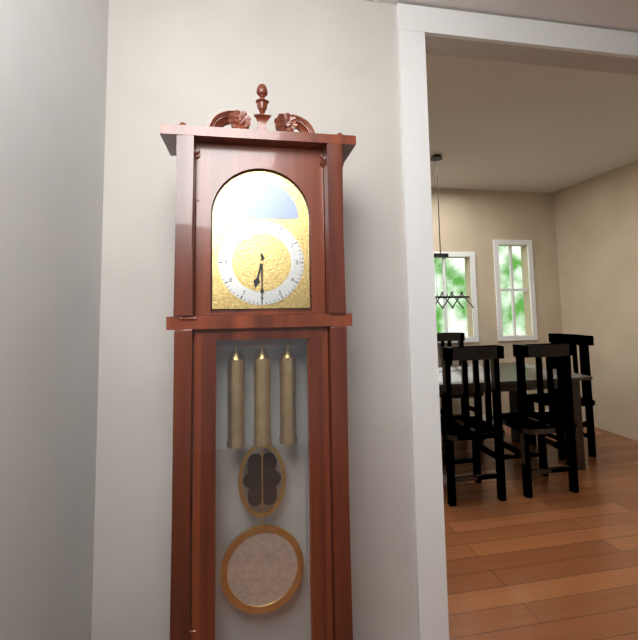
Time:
{"hour": 6, "minute": 30}
